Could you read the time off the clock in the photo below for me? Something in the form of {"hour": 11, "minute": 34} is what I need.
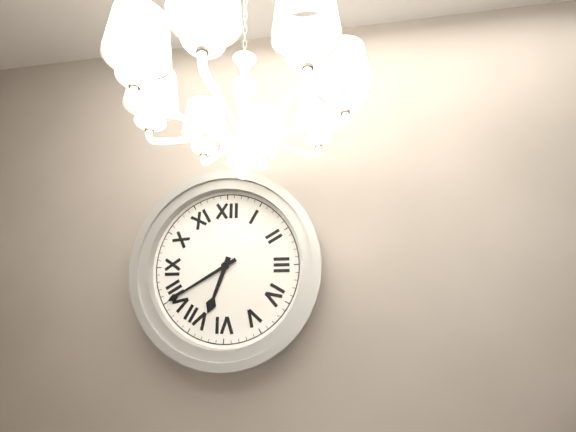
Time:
{"hour": 6, "minute": 40}
